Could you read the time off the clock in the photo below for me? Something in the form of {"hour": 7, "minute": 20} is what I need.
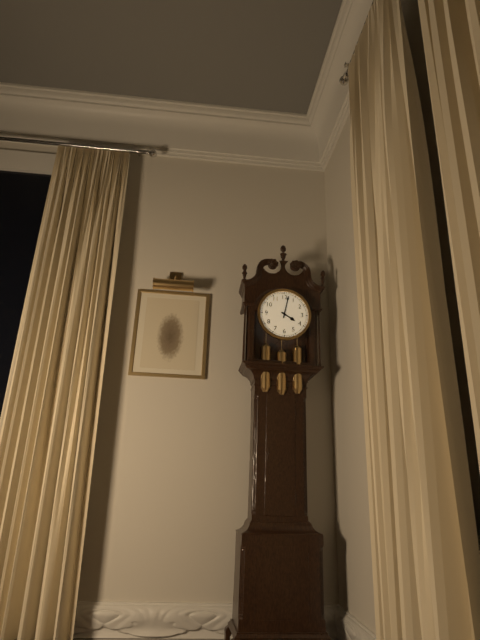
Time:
{"hour": 4, "minute": 2}
